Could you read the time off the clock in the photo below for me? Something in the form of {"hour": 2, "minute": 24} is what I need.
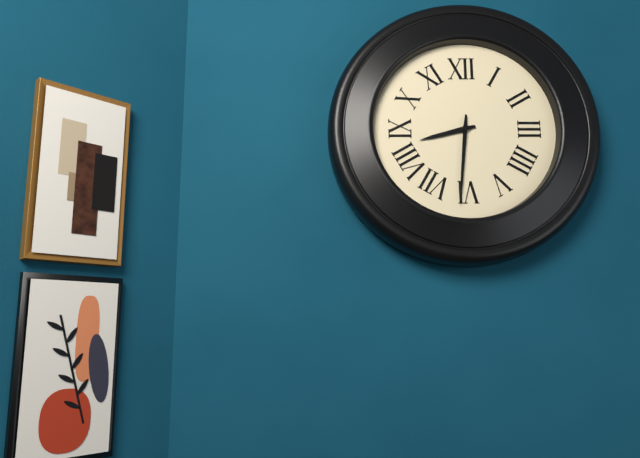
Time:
{"hour": 8, "minute": 31}
